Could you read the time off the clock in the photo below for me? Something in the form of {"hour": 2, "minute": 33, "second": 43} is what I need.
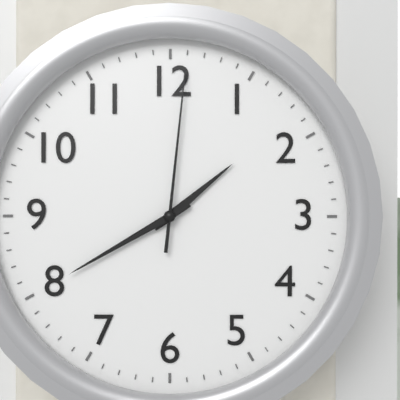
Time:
{"hour": 1, "minute": 40, "second": 1}
